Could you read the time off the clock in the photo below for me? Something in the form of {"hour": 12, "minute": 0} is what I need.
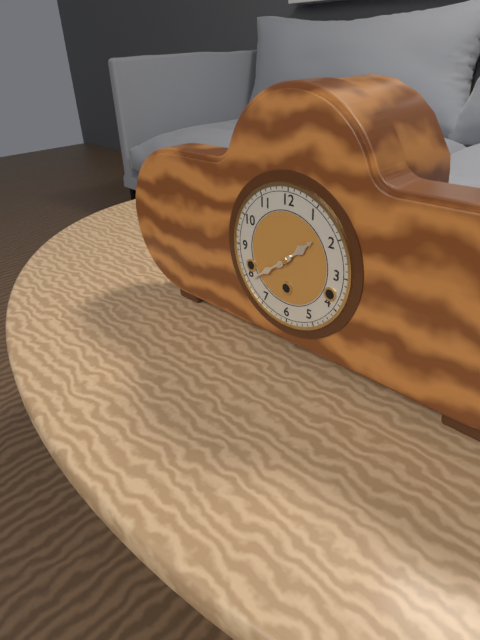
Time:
{"hour": 1, "minute": 39}
